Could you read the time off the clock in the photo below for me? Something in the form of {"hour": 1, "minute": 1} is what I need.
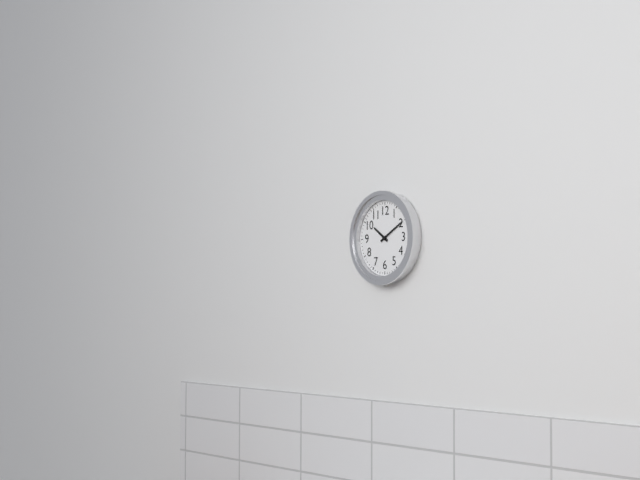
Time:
{"hour": 10, "minute": 10}
